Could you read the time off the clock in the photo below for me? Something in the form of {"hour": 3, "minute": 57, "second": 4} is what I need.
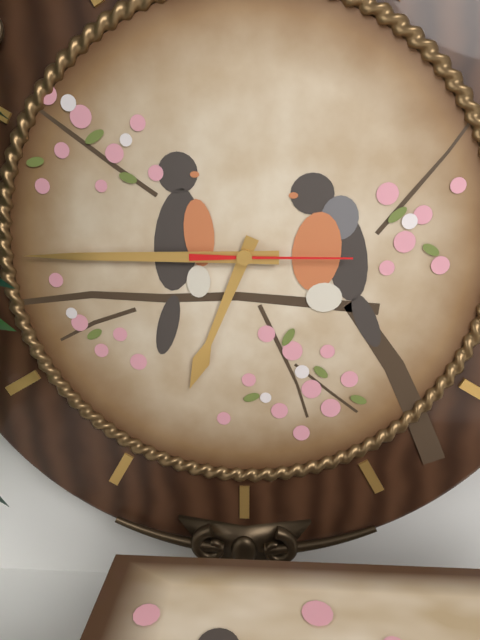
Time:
{"hour": 6, "minute": 45, "second": 15}
